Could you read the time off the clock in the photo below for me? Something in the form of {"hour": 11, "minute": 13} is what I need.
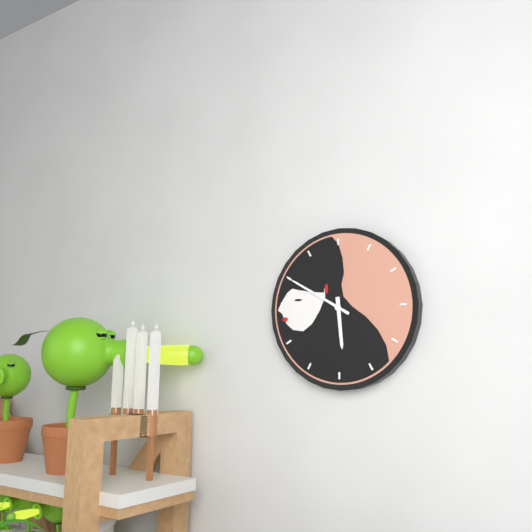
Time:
{"hour": 5, "minute": 50}
